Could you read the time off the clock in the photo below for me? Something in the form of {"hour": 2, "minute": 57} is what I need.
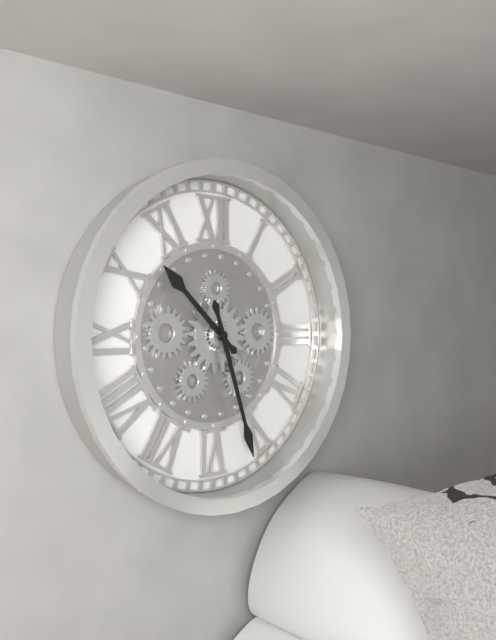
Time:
{"hour": 10, "minute": 27}
